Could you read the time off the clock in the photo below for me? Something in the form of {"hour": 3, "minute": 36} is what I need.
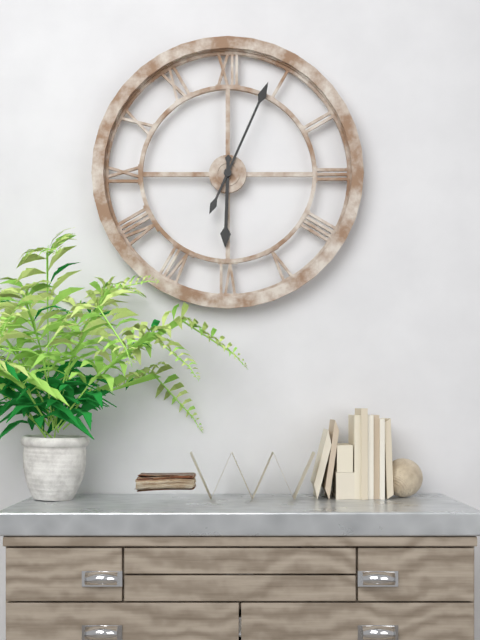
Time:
{"hour": 6, "minute": 4}
